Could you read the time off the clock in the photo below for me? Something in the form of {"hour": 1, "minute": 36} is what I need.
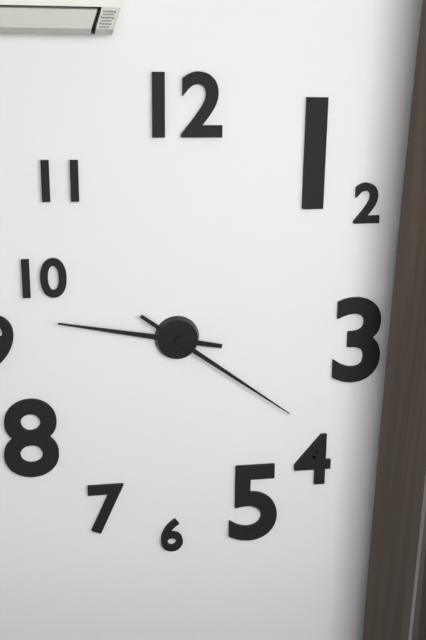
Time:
{"hour": 9, "minute": 21}
